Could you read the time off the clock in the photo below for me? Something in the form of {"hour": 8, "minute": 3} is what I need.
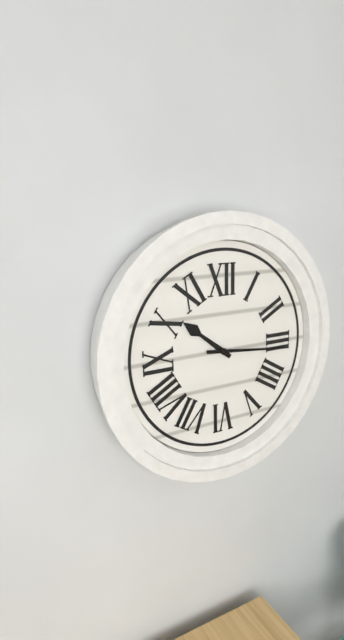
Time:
{"hour": 10, "minute": 16}
